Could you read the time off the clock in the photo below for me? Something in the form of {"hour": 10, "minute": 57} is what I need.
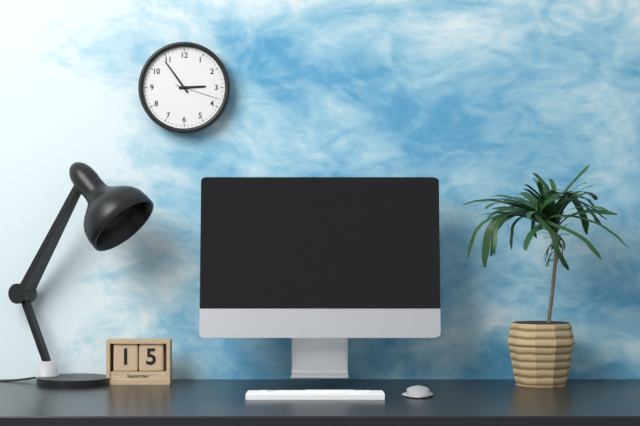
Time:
{"hour": 2, "minute": 54}
